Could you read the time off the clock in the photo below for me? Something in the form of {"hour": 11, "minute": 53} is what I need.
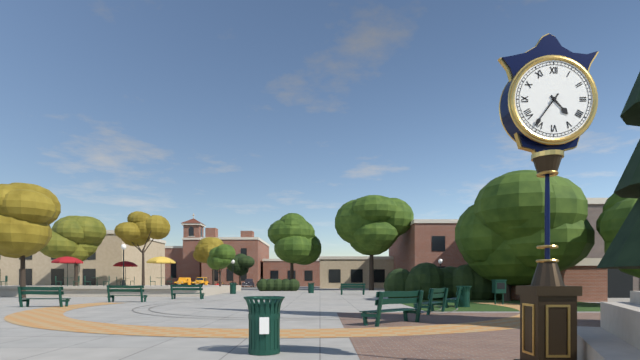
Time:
{"hour": 4, "minute": 36}
